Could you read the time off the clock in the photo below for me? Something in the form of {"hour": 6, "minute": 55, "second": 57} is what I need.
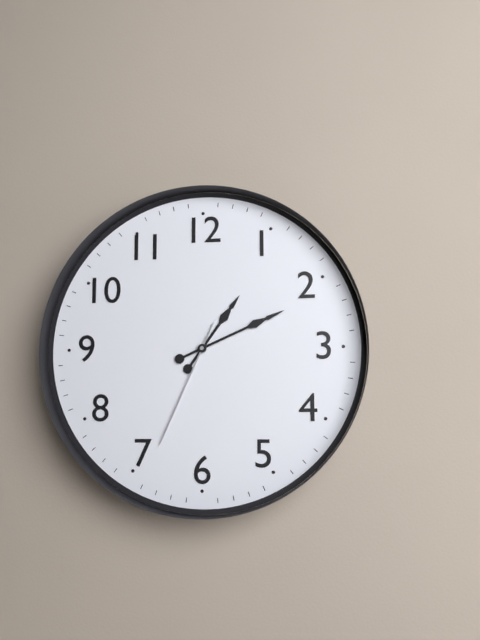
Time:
{"hour": 1, "minute": 11, "second": 34}
